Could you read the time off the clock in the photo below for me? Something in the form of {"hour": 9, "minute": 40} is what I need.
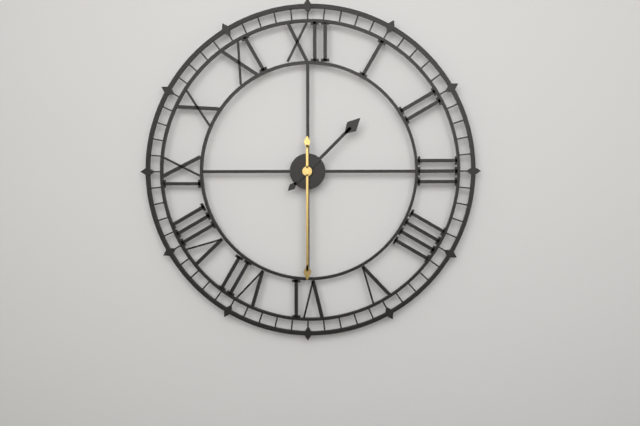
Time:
{"hour": 1, "minute": 30}
